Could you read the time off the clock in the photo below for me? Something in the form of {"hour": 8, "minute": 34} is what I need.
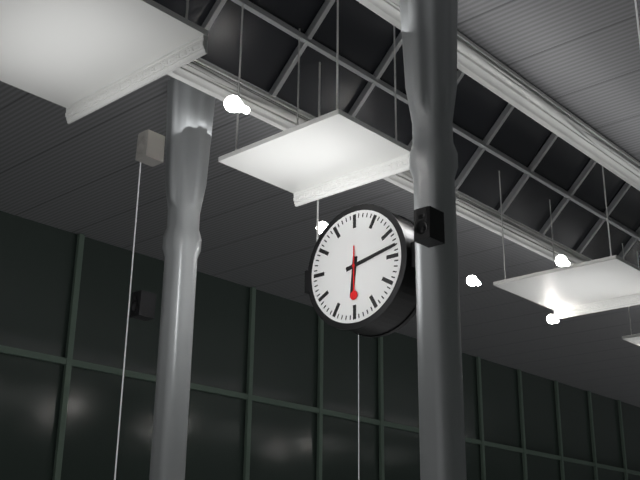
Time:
{"hour": 6, "minute": 13}
